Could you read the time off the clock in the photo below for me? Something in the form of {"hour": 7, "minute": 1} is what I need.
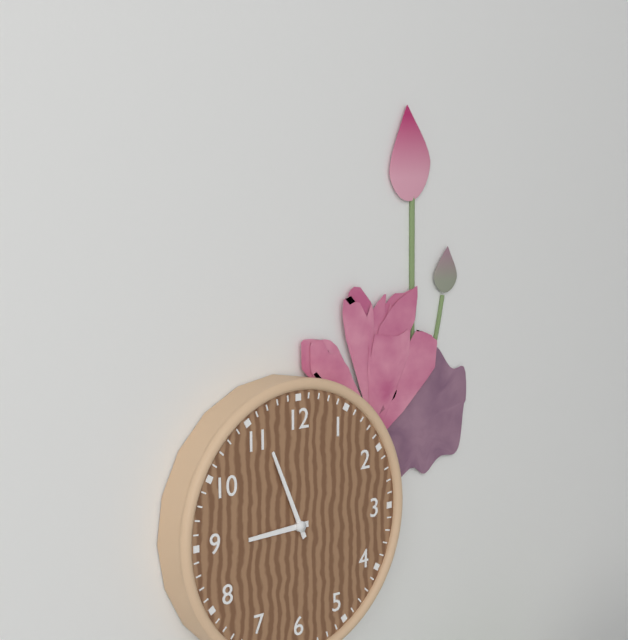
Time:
{"hour": 8, "minute": 56}
